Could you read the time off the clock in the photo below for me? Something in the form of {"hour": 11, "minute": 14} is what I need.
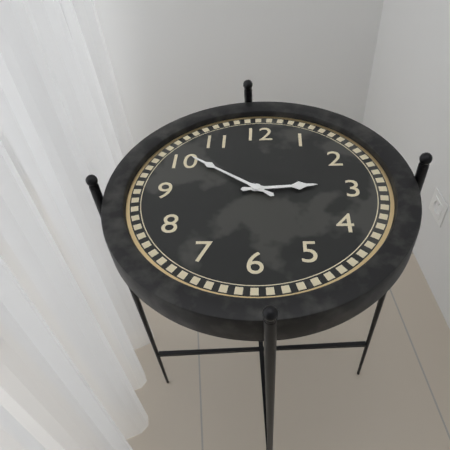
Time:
{"hour": 2, "minute": 51}
